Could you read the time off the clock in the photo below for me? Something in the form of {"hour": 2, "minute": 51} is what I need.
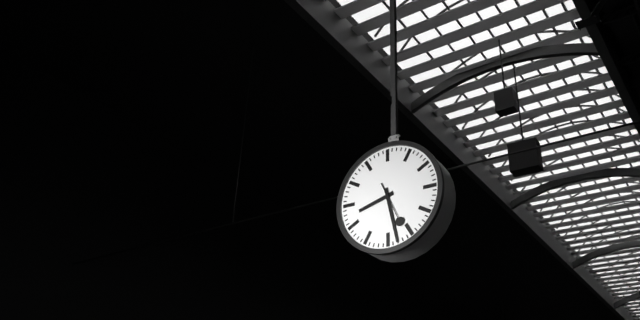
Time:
{"hour": 8, "minute": 28}
